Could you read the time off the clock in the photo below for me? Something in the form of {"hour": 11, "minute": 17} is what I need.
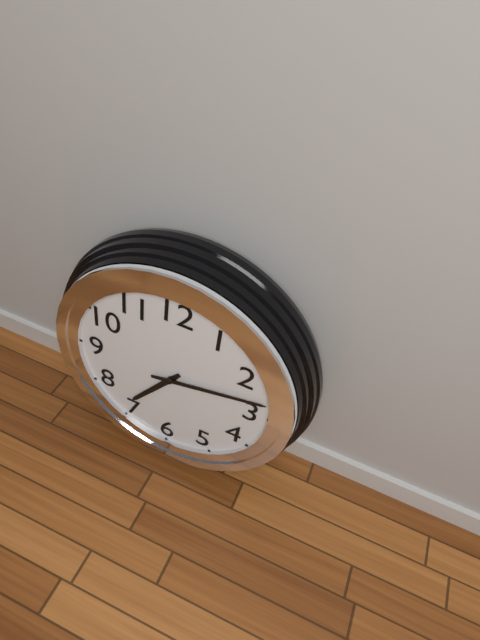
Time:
{"hour": 7, "minute": 13}
